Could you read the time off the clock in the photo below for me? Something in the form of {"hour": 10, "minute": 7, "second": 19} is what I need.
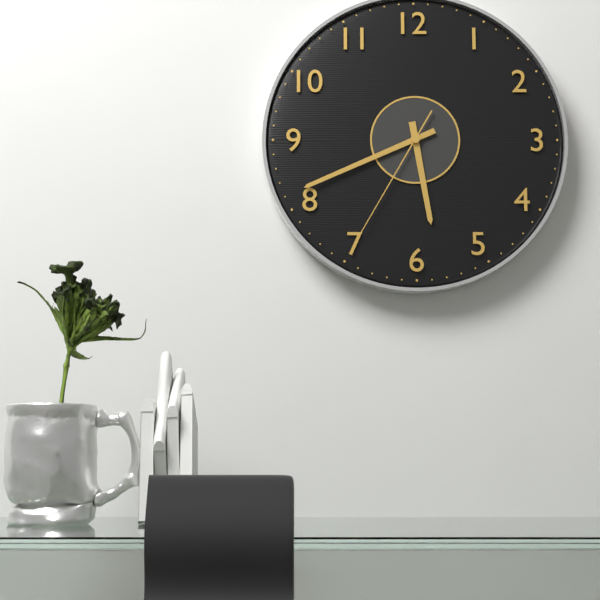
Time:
{"hour": 5, "minute": 41, "second": 35}
